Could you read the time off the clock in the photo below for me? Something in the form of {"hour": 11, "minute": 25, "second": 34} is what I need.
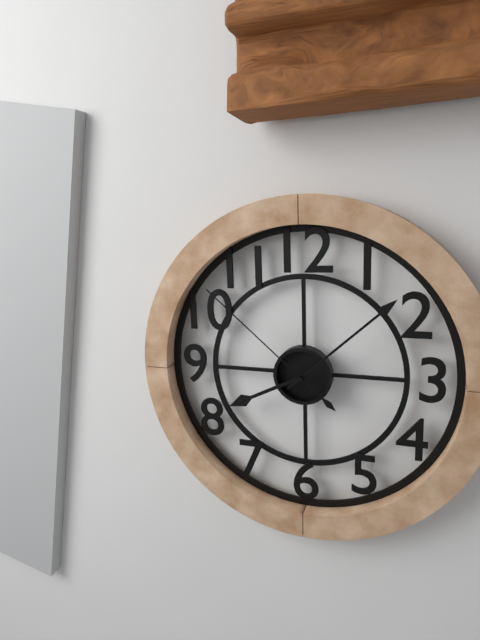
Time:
{"hour": 8, "minute": 8, "second": 52}
